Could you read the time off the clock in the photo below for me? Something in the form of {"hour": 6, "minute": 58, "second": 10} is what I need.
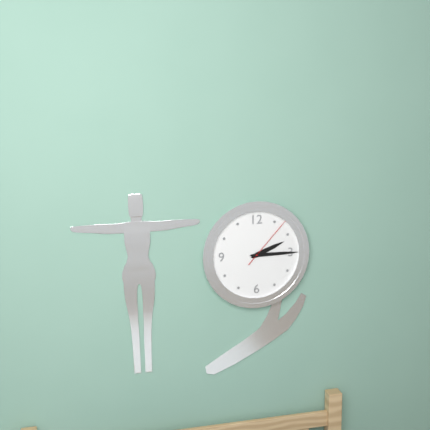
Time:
{"hour": 2, "minute": 15, "second": 7}
